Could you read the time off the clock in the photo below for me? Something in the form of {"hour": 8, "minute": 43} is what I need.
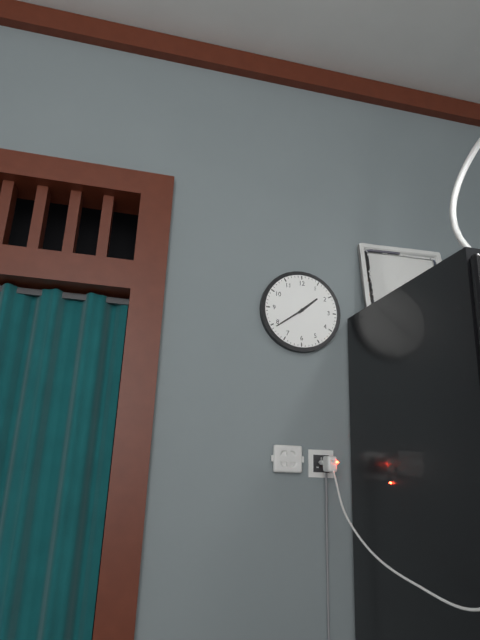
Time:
{"hour": 1, "minute": 39}
